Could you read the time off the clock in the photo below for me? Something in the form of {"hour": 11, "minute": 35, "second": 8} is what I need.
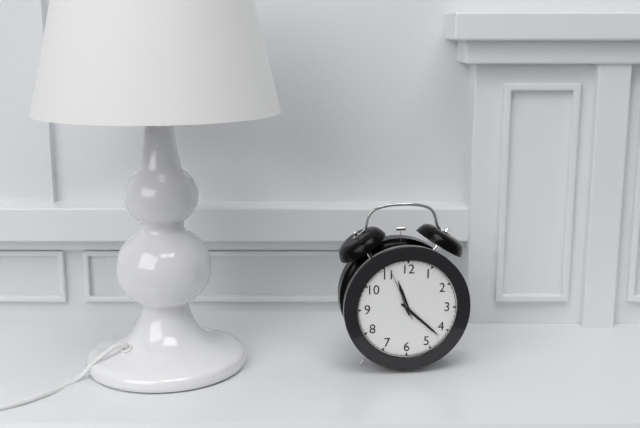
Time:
{"hour": 11, "minute": 22, "second": 56}
